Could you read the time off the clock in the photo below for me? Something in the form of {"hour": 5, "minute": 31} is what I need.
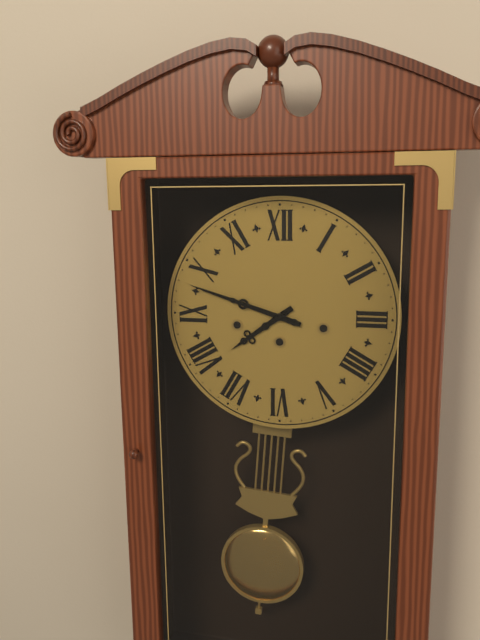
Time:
{"hour": 7, "minute": 48}
